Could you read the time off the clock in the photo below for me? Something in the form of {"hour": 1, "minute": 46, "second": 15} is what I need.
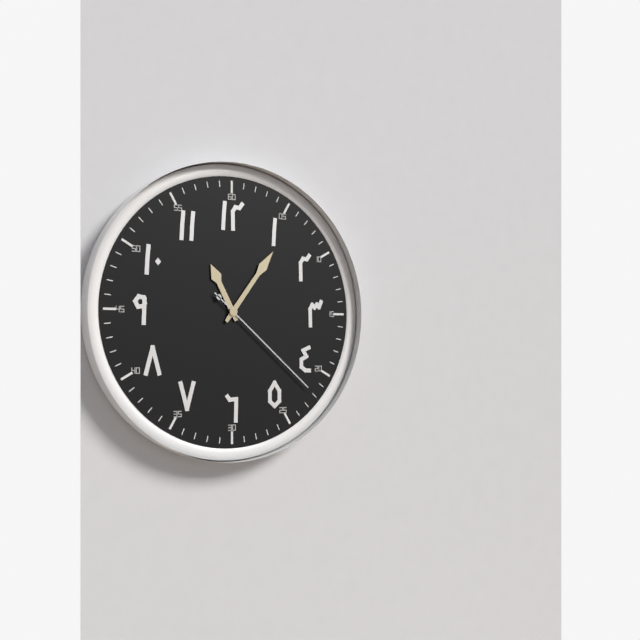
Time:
{"hour": 11, "minute": 6, "second": 22}
